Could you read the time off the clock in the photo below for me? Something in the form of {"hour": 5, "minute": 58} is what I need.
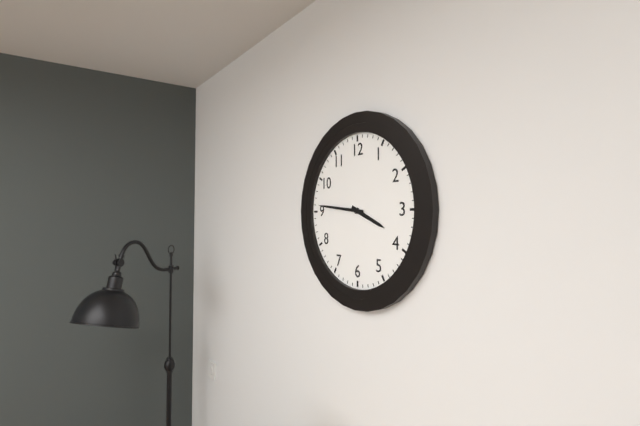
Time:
{"hour": 3, "minute": 46}
